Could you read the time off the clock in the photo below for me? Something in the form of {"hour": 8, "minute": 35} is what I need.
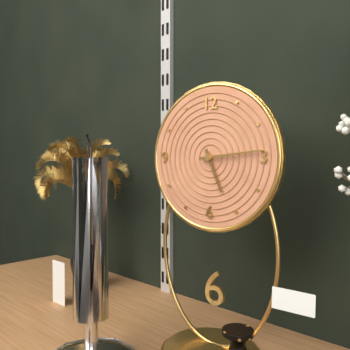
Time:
{"hour": 5, "minute": 14}
